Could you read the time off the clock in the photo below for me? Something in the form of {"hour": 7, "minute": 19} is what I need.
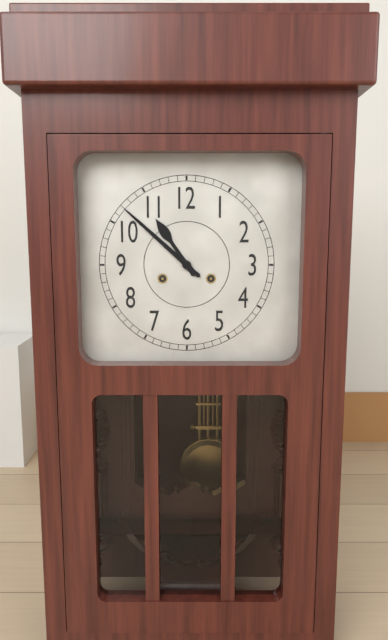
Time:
{"hour": 10, "minute": 52}
